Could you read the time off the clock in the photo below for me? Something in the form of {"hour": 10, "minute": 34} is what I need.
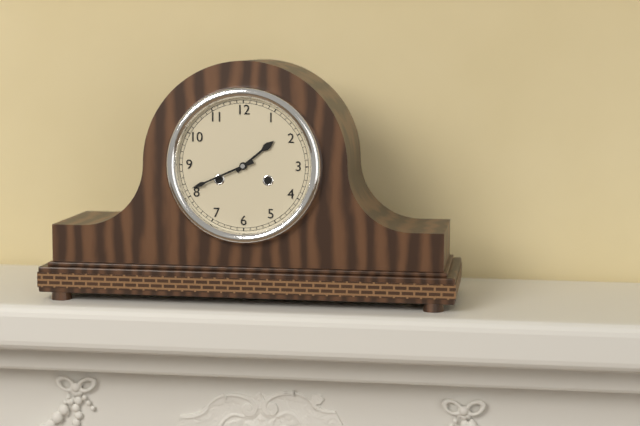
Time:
{"hour": 1, "minute": 41}
